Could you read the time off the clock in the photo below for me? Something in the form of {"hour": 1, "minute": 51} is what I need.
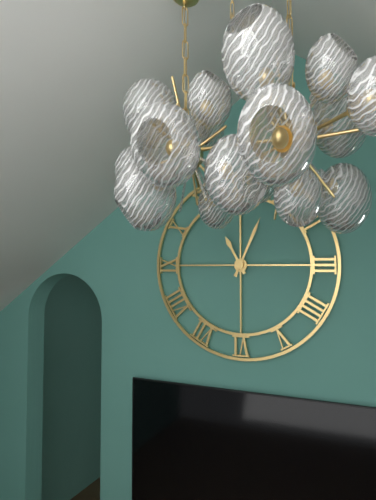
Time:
{"hour": 11, "minute": 4}
